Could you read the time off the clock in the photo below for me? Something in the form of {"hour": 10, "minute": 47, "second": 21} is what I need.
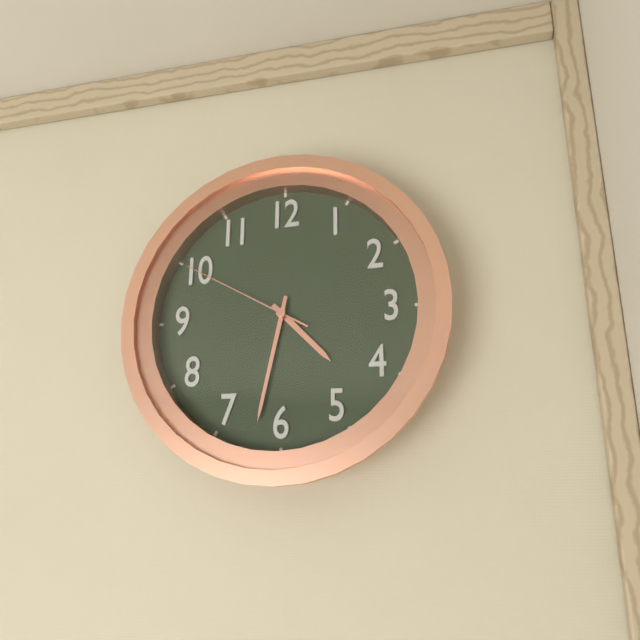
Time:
{"hour": 4, "minute": 32, "second": 50}
